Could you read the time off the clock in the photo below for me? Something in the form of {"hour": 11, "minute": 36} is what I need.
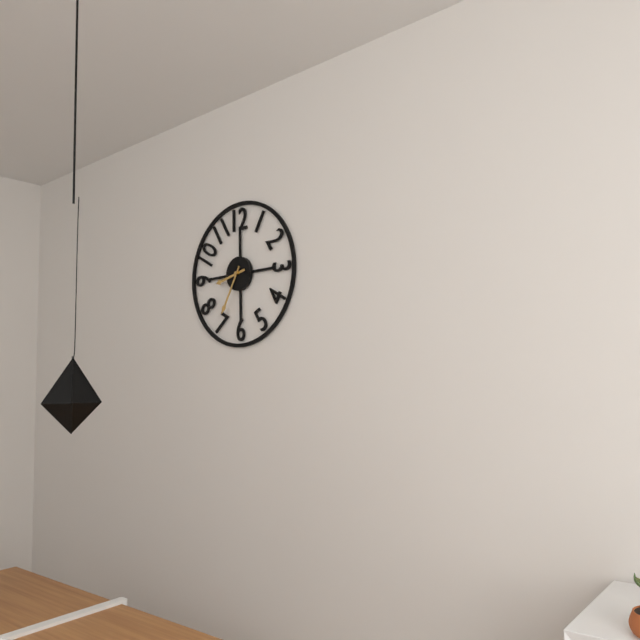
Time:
{"hour": 8, "minute": 35}
